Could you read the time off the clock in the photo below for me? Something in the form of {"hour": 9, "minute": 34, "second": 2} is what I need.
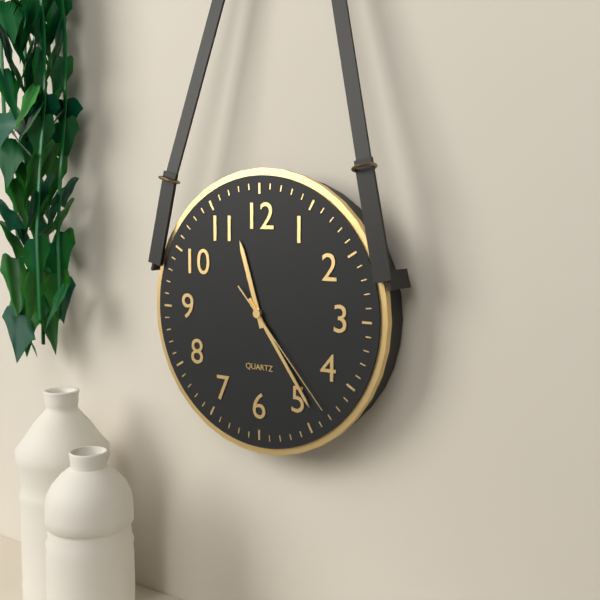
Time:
{"hour": 11, "minute": 24, "second": 23}
